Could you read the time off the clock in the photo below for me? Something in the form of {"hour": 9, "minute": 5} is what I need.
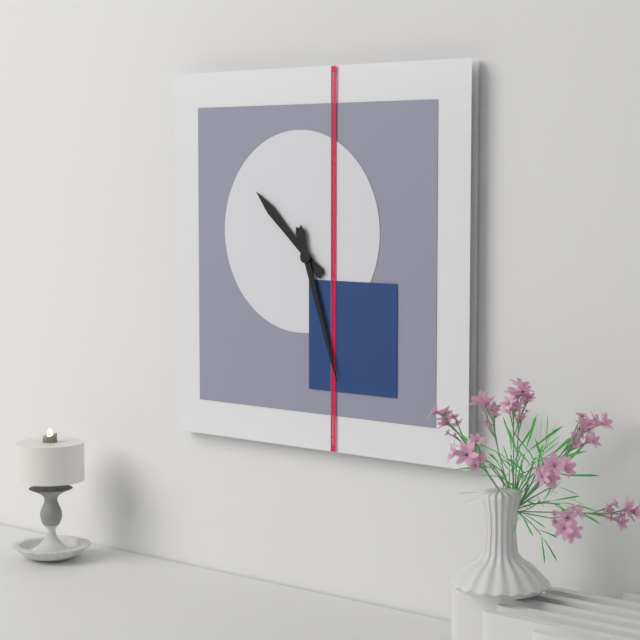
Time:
{"hour": 10, "minute": 27}
